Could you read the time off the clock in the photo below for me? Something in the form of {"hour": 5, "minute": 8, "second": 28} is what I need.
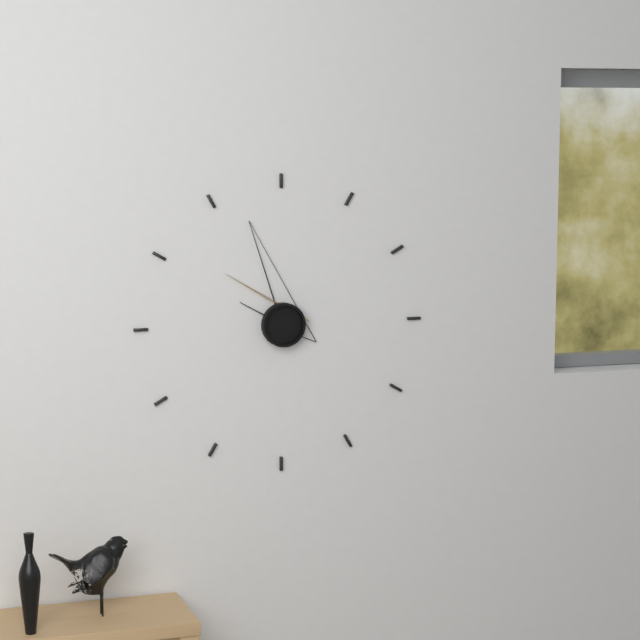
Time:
{"hour": 9, "minute": 57, "second": 52}
